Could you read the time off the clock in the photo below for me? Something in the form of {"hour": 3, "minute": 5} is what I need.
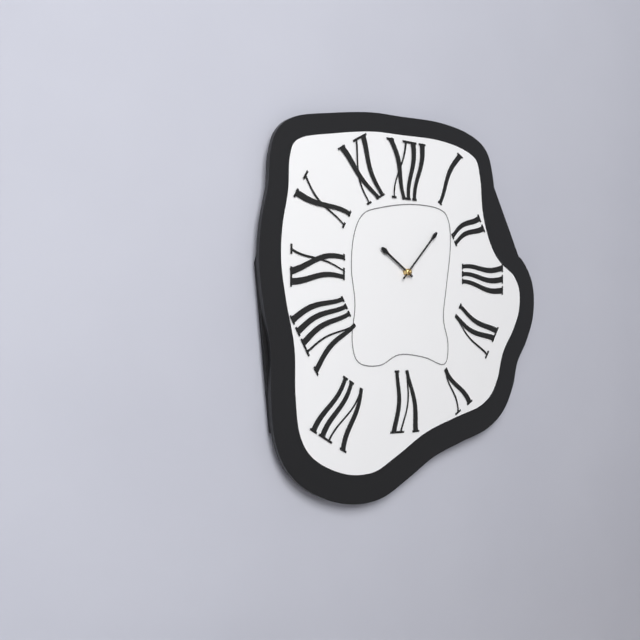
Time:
{"hour": 10, "minute": 7}
